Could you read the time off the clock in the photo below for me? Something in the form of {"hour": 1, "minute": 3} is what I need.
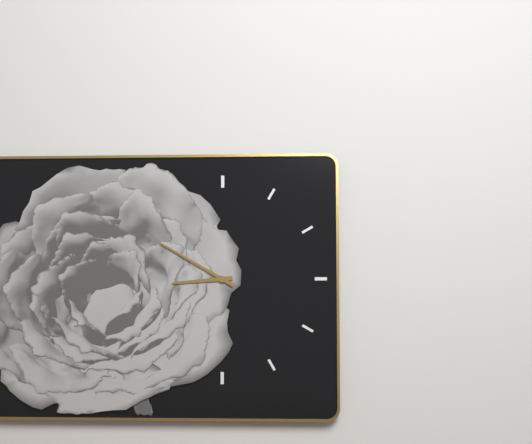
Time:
{"hour": 8, "minute": 50}
